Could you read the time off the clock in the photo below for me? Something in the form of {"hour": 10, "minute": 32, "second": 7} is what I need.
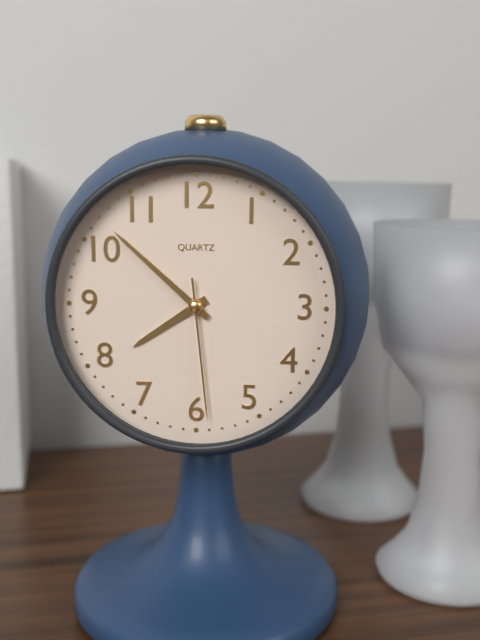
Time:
{"hour": 7, "minute": 52, "second": 29}
